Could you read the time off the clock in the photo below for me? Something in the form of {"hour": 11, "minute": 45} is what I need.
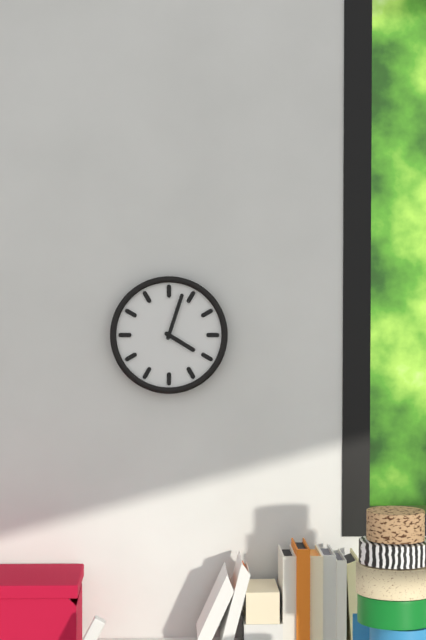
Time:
{"hour": 4, "minute": 3}
